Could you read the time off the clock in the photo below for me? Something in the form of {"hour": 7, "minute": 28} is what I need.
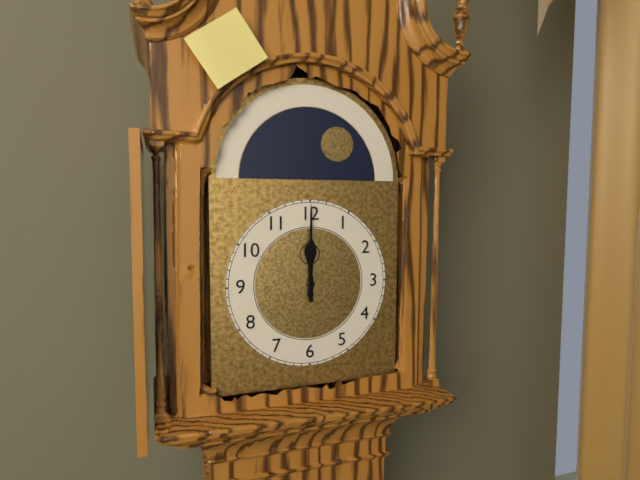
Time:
{"hour": 12, "minute": 0}
